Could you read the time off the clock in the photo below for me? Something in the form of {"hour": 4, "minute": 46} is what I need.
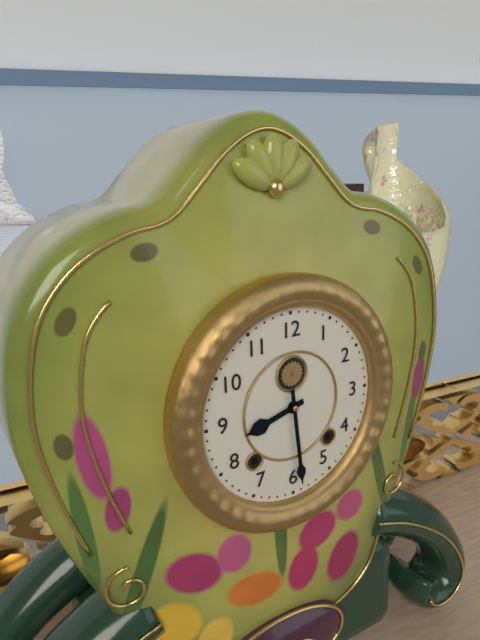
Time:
{"hour": 8, "minute": 29}
